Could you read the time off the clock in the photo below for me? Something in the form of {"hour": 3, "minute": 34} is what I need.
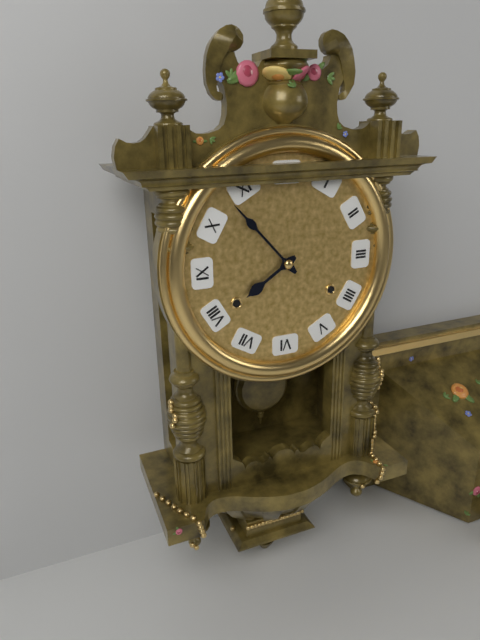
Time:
{"hour": 7, "minute": 53}
